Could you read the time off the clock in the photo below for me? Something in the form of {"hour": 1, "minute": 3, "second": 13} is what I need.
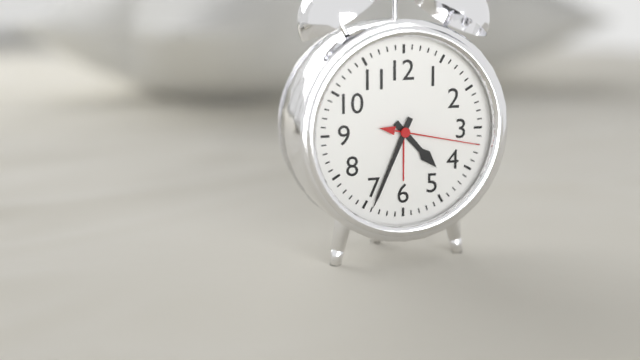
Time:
{"hour": 4, "minute": 34, "second": 17}
